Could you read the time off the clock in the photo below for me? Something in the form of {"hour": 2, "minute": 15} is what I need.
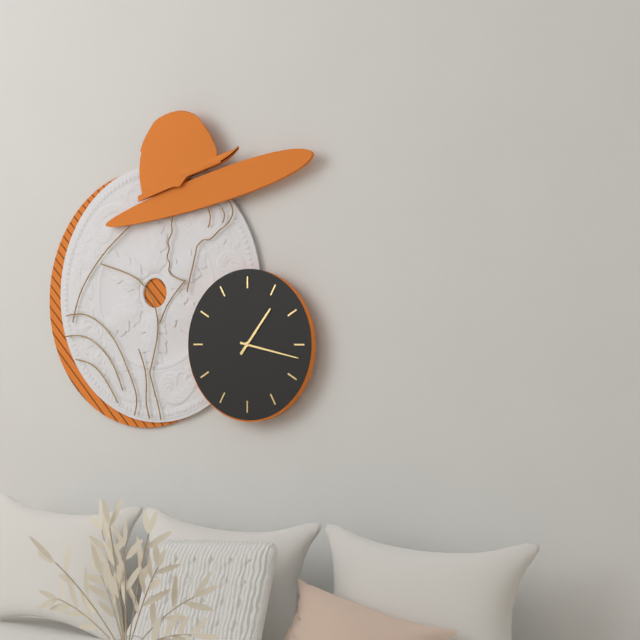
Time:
{"hour": 1, "minute": 17}
